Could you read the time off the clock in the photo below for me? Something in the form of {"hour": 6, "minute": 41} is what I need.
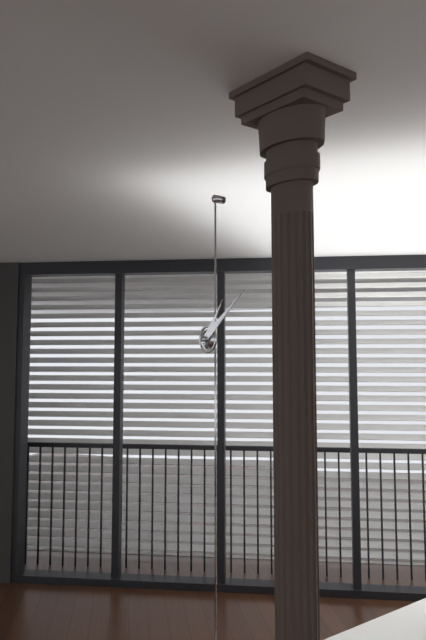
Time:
{"hour": 1, "minute": 9}
